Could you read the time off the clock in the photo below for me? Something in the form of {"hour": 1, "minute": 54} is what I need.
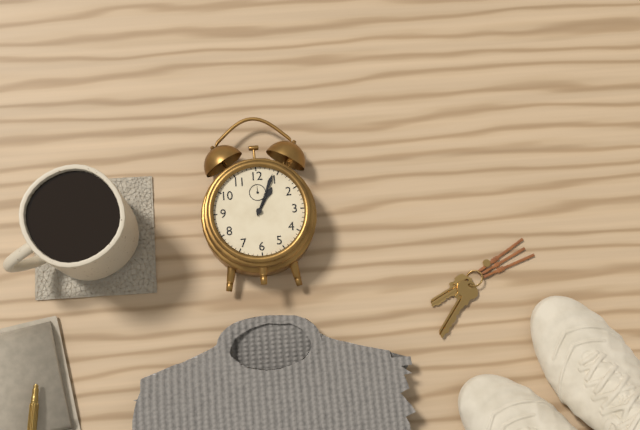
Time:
{"hour": 1, "minute": 4}
